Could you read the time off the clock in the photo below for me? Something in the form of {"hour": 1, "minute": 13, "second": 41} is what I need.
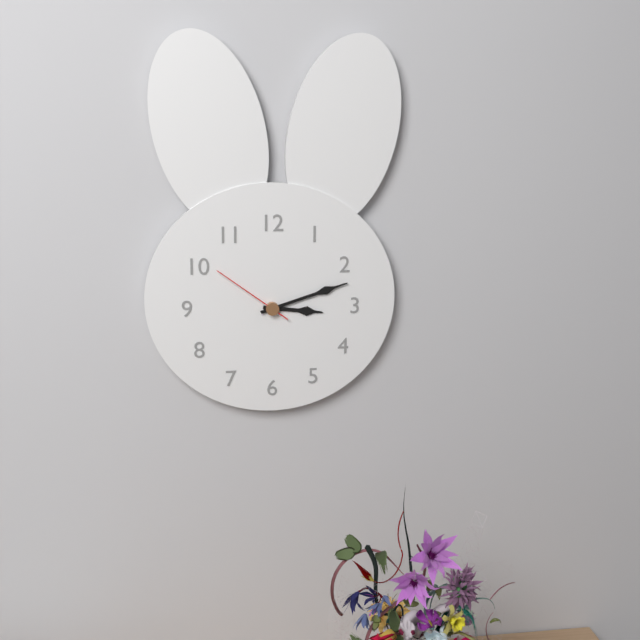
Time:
{"hour": 3, "minute": 12, "second": 51}
